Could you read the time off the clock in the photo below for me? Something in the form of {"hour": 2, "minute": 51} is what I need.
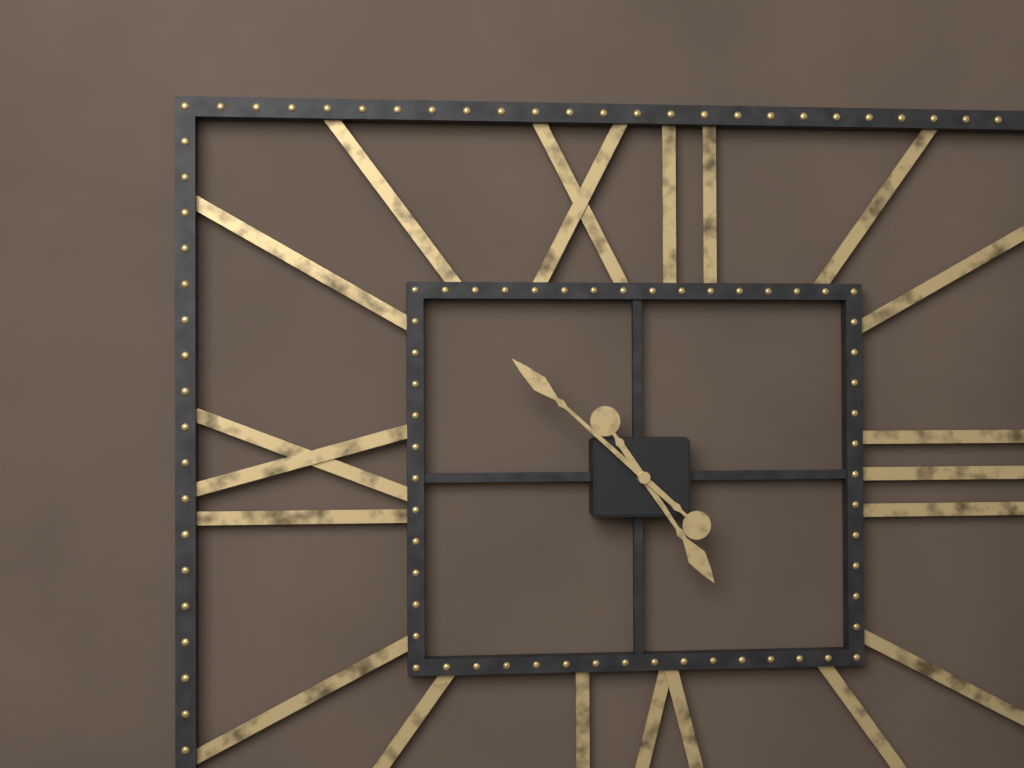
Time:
{"hour": 4, "minute": 52}
